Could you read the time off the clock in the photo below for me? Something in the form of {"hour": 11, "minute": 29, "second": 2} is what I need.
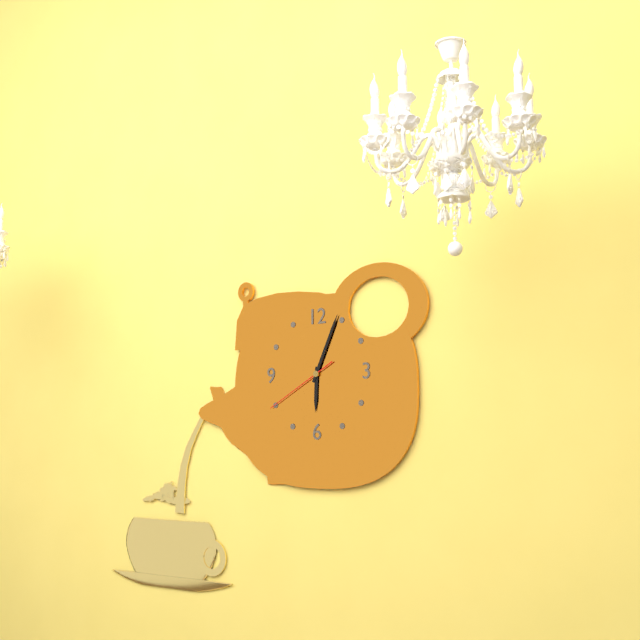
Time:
{"hour": 6, "minute": 4, "second": 40}
